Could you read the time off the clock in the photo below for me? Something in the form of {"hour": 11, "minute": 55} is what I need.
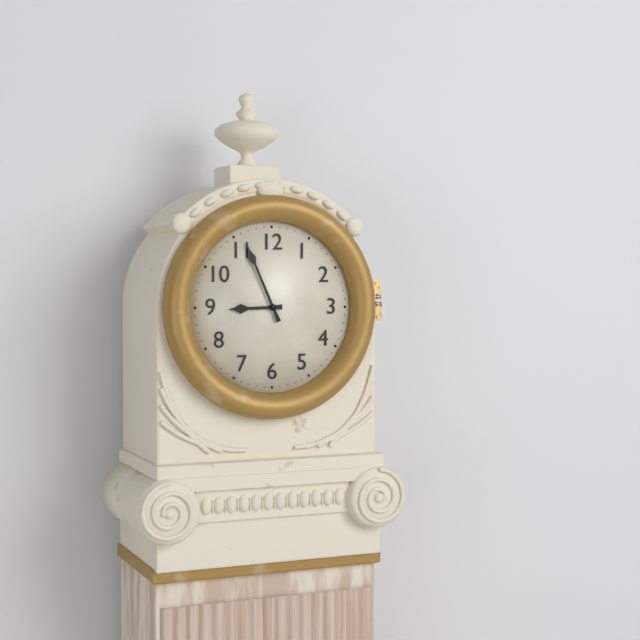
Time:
{"hour": 8, "minute": 56}
